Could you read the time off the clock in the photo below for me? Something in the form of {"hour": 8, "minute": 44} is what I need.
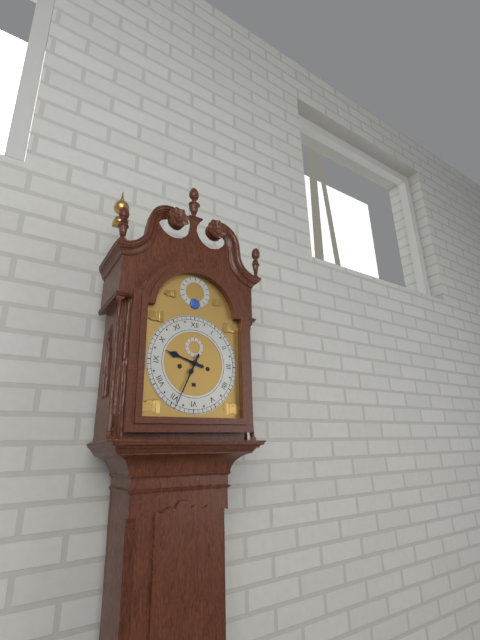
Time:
{"hour": 9, "minute": 34}
